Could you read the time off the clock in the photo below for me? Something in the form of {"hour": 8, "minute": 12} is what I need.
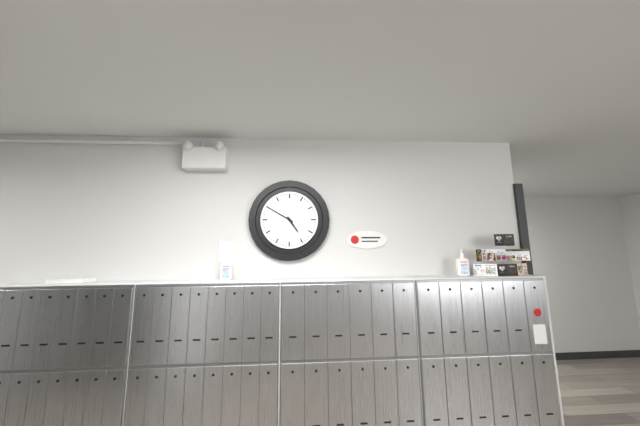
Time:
{"hour": 4, "minute": 50}
